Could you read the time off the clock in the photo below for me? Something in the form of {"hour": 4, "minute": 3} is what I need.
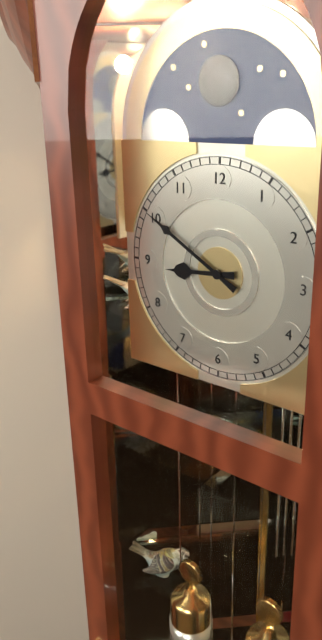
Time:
{"hour": 8, "minute": 50}
